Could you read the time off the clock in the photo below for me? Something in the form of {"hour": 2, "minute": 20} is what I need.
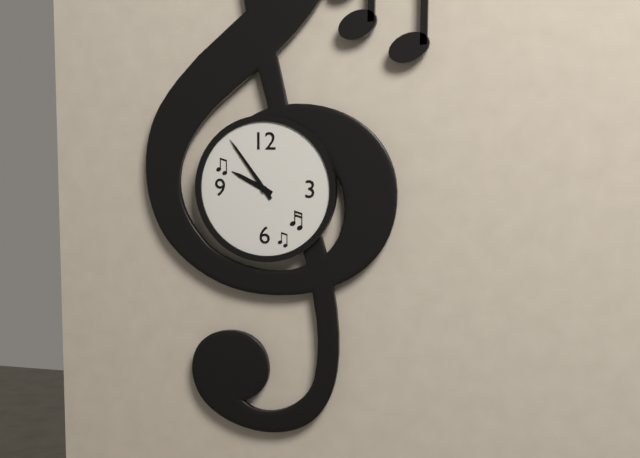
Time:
{"hour": 9, "minute": 54}
